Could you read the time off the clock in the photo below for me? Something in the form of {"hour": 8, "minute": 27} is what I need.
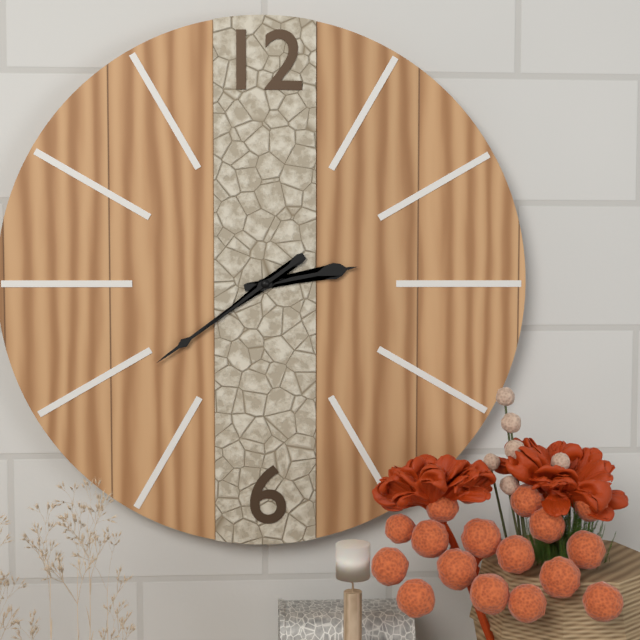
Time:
{"hour": 2, "minute": 39}
